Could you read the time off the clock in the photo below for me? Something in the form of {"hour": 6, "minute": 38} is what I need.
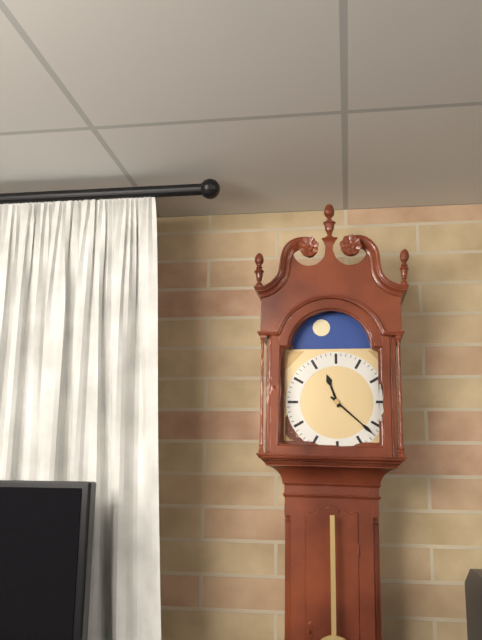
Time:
{"hour": 11, "minute": 22}
